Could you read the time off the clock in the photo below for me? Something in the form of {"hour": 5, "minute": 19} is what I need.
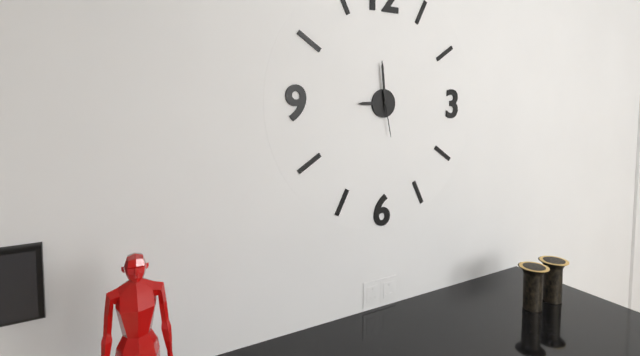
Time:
{"hour": 8, "minute": 59}
